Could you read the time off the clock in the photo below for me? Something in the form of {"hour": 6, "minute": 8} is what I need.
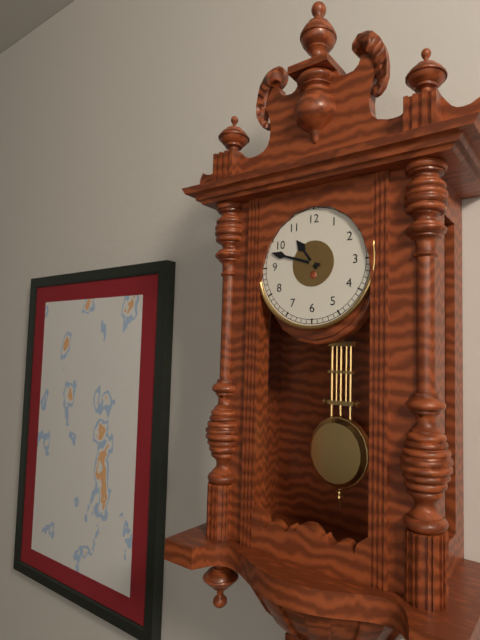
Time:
{"hour": 10, "minute": 48}
